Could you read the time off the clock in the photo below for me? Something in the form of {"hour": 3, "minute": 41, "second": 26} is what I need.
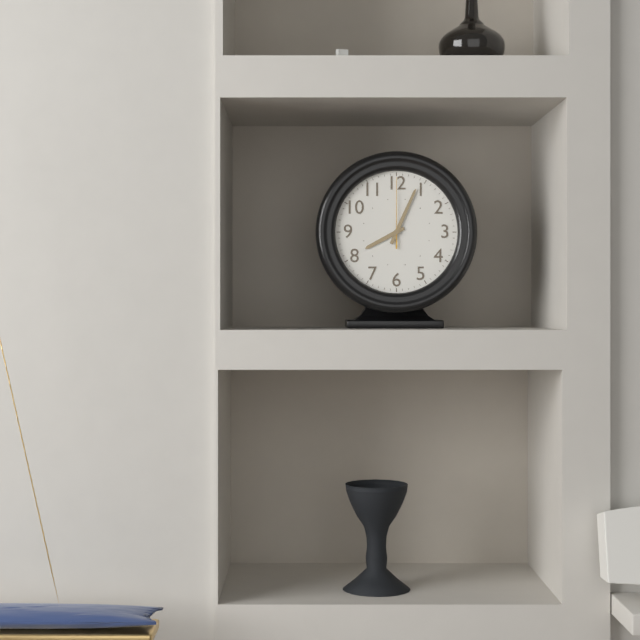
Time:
{"hour": 8, "minute": 4, "second": 0}
